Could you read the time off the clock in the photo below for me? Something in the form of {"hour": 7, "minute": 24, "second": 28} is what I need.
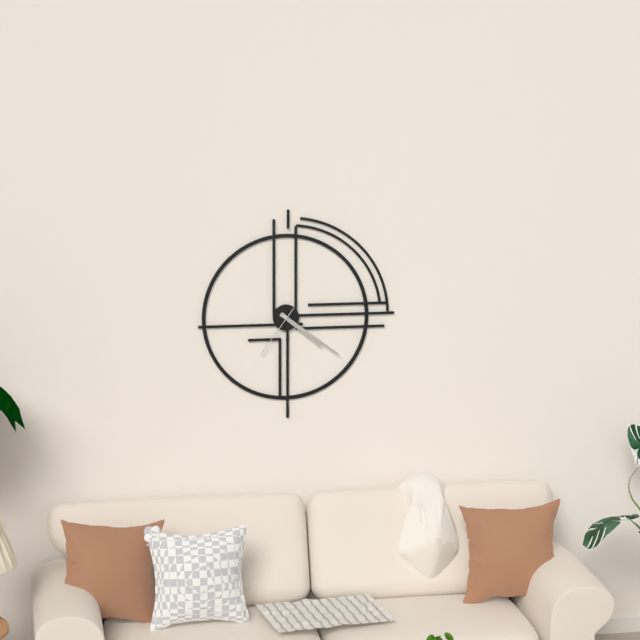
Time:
{"hour": 4, "minute": 21, "second": 36}
